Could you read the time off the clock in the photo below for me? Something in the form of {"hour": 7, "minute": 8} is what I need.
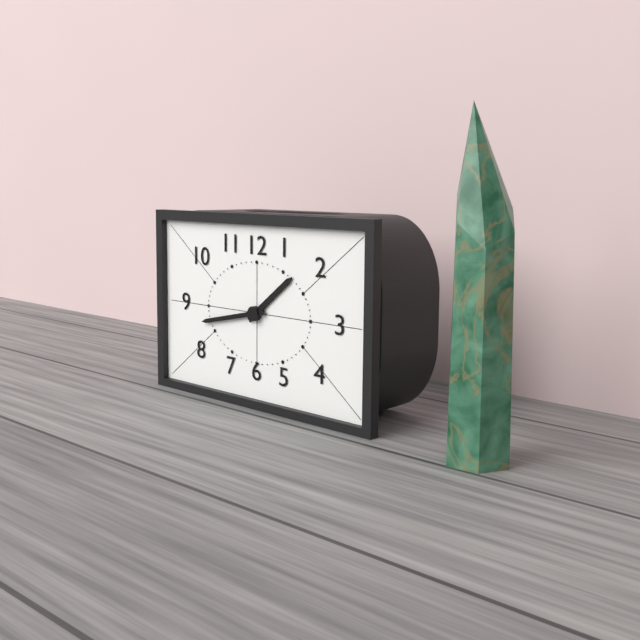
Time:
{"hour": 1, "minute": 43}
